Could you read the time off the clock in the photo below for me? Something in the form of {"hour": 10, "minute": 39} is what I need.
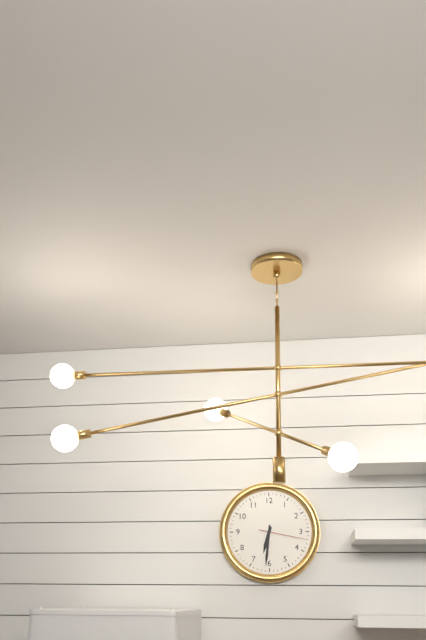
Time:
{"hour": 6, "minute": 31}
